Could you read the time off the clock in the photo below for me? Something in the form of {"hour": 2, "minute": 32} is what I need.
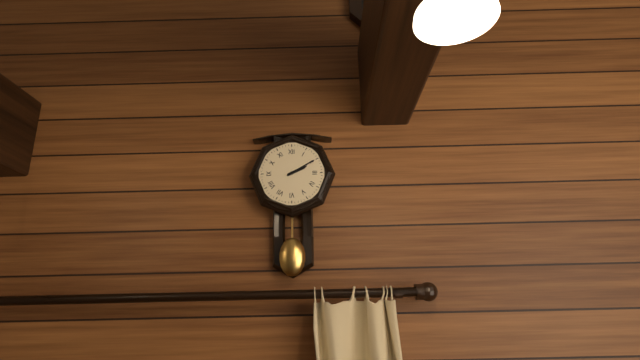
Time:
{"hour": 2, "minute": 10}
